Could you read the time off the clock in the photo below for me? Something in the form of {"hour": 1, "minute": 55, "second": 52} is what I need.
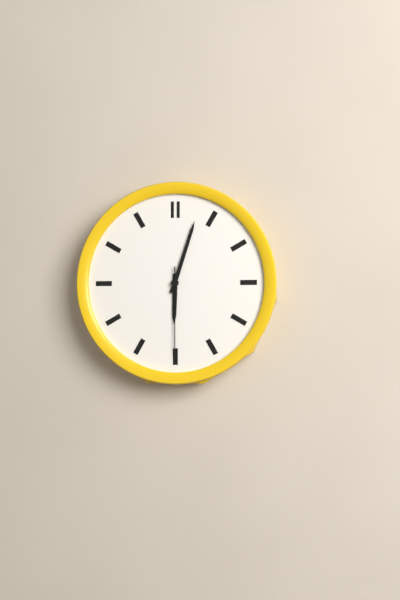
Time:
{"hour": 6, "minute": 3, "second": 30}
